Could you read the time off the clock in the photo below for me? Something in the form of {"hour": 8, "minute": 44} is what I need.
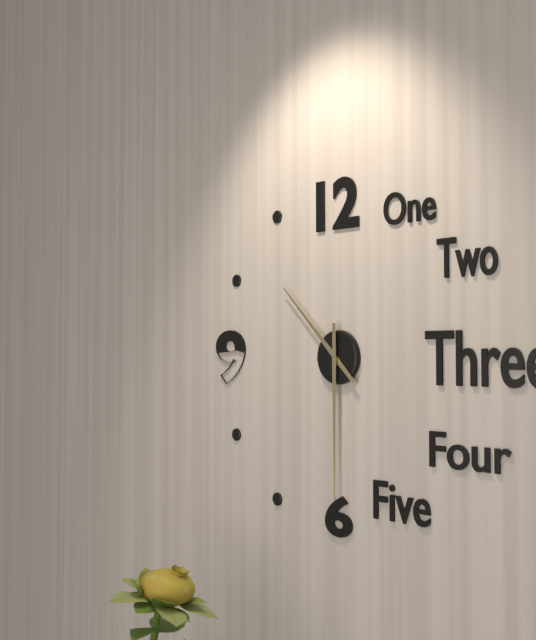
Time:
{"hour": 10, "minute": 30}
